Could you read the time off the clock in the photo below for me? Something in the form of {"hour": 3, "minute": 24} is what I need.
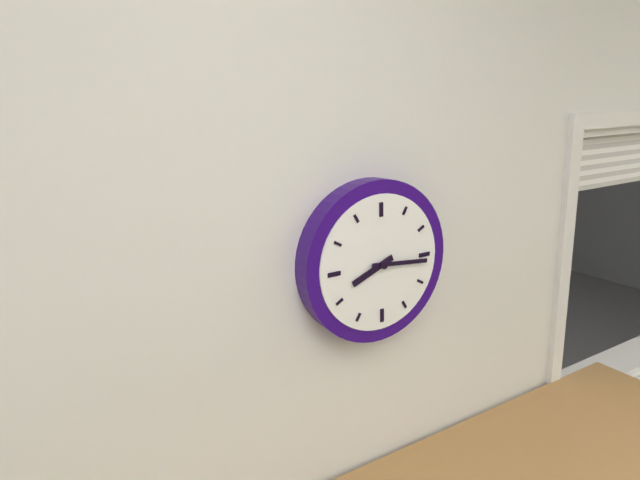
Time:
{"hour": 8, "minute": 16}
